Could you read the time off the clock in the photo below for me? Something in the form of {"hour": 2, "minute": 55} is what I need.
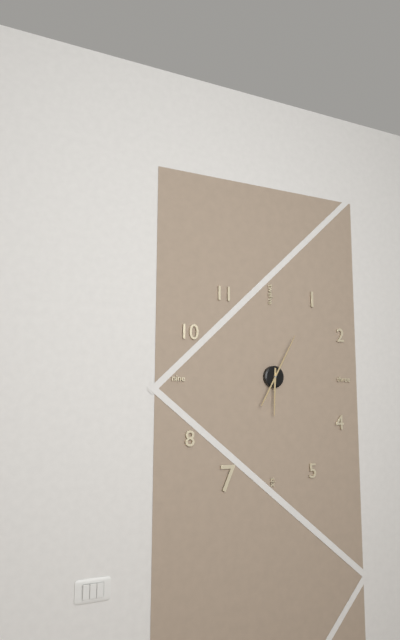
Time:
{"hour": 6, "minute": 5}
